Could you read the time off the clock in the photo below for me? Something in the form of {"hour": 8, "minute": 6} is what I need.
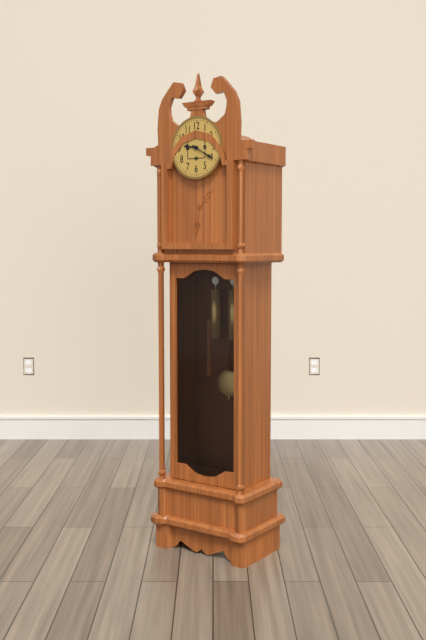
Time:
{"hour": 9, "minute": 20}
